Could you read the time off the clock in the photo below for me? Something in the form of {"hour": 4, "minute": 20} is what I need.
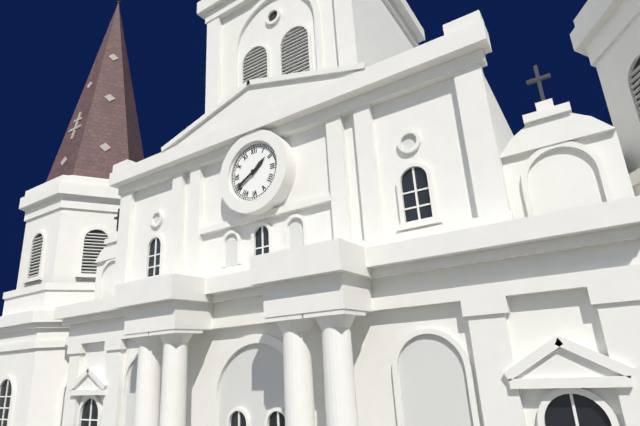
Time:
{"hour": 1, "minute": 40}
